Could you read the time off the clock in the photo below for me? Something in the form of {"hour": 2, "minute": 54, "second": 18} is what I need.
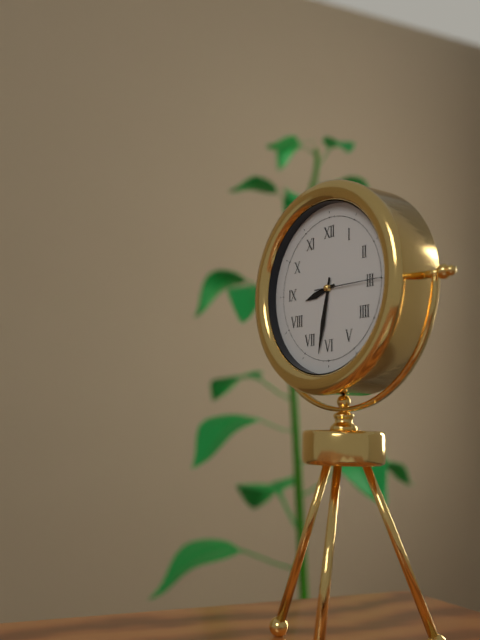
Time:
{"hour": 8, "minute": 32, "second": 15}
